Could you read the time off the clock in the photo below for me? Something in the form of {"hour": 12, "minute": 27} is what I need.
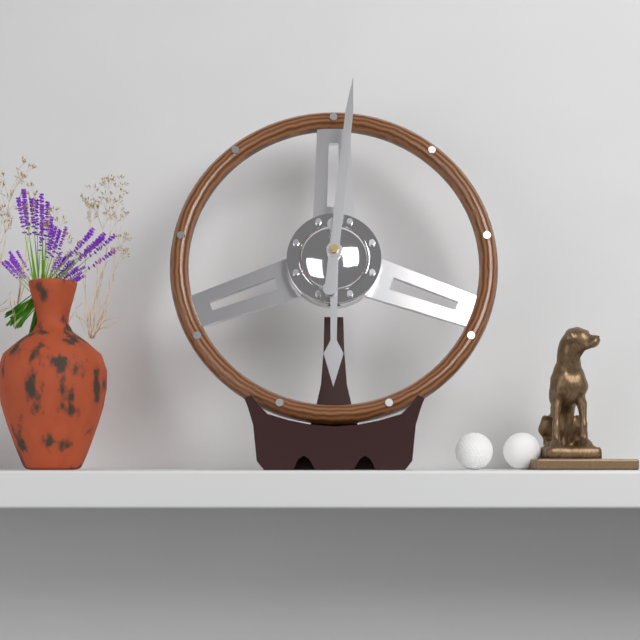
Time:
{"hour": 6, "minute": 1}
